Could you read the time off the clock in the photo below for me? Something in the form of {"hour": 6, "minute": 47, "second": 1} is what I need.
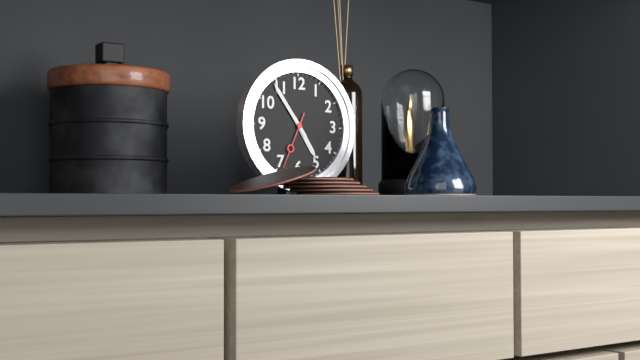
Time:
{"hour": 4, "minute": 54, "second": 34}
